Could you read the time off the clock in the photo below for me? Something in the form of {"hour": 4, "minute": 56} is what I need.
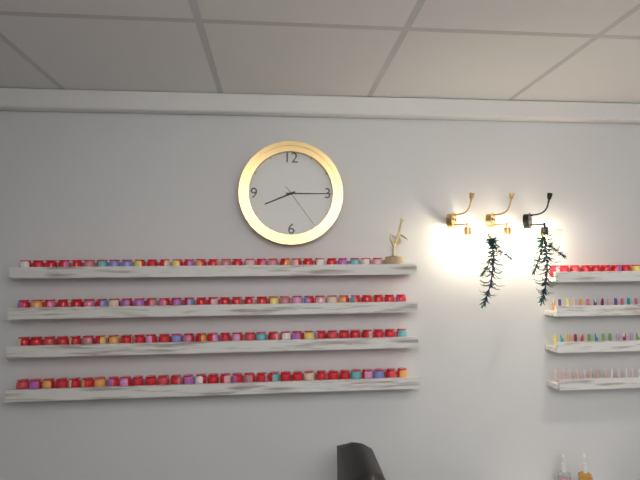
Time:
{"hour": 8, "minute": 15}
